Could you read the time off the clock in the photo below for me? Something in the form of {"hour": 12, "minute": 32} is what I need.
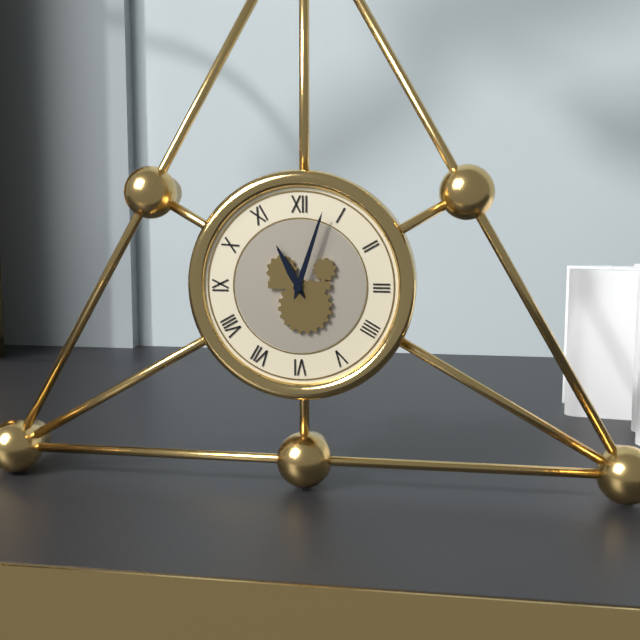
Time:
{"hour": 11, "minute": 3}
